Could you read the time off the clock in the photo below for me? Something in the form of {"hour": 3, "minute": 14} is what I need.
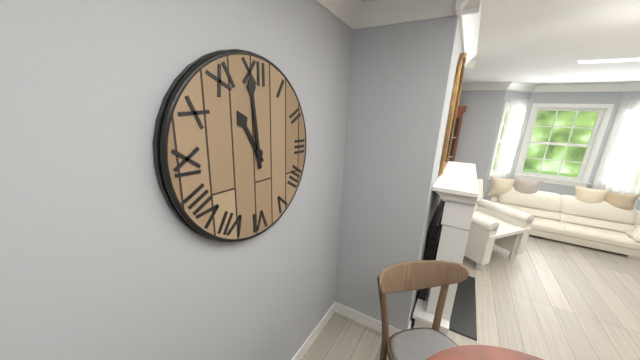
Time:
{"hour": 10, "minute": 59}
